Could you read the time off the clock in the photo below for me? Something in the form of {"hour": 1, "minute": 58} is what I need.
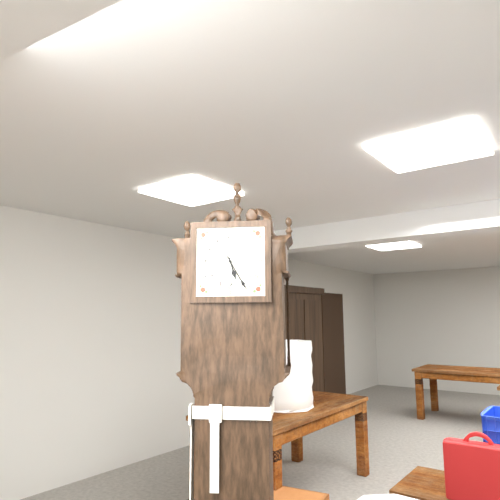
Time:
{"hour": 5, "minute": 25}
